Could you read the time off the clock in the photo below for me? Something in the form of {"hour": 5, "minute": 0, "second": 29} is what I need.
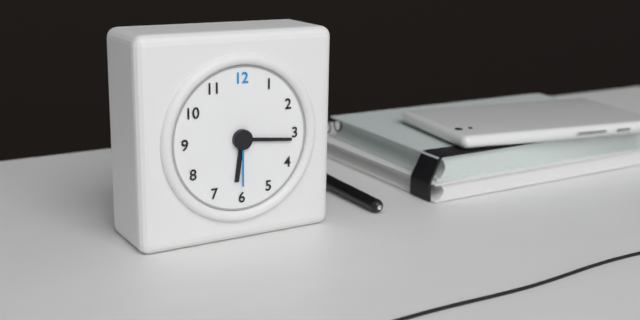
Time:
{"hour": 6, "minute": 16, "second": 30}
